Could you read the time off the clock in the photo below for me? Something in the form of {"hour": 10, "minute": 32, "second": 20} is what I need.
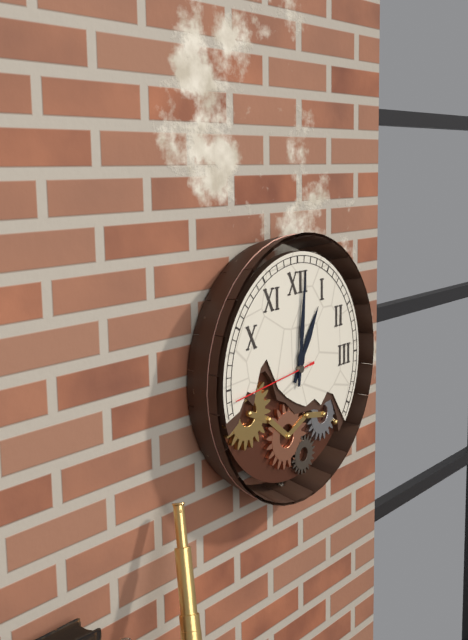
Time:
{"hour": 1, "minute": 1, "second": 44}
